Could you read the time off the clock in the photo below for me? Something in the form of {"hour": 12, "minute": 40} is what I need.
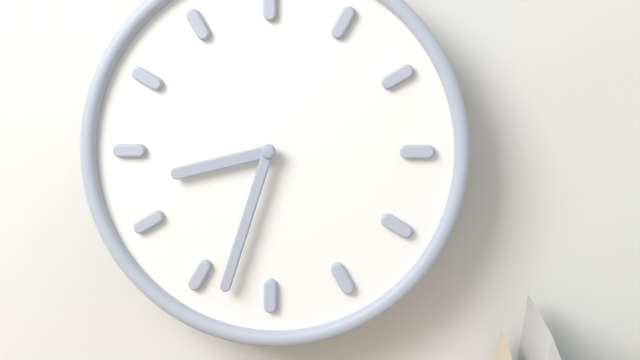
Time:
{"hour": 8, "minute": 33}
